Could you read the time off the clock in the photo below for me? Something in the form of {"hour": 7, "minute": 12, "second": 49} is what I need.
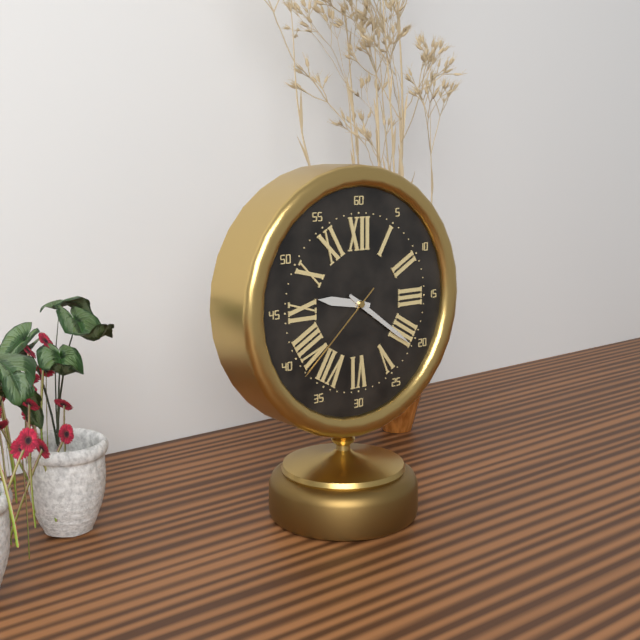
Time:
{"hour": 9, "minute": 21, "second": 38}
